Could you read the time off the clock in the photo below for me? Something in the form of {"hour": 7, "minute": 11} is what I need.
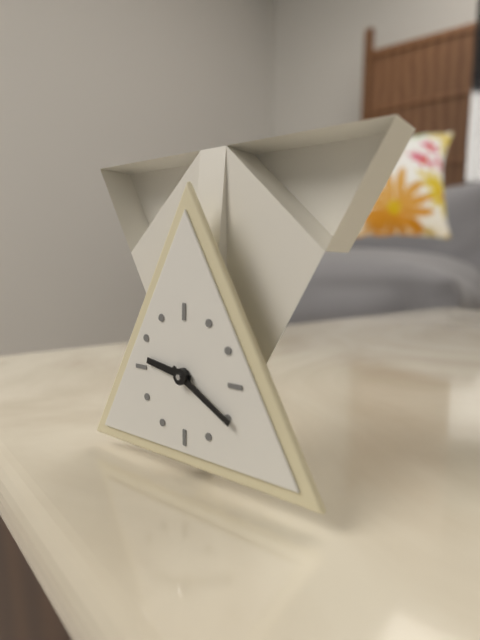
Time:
{"hour": 9, "minute": 20}
